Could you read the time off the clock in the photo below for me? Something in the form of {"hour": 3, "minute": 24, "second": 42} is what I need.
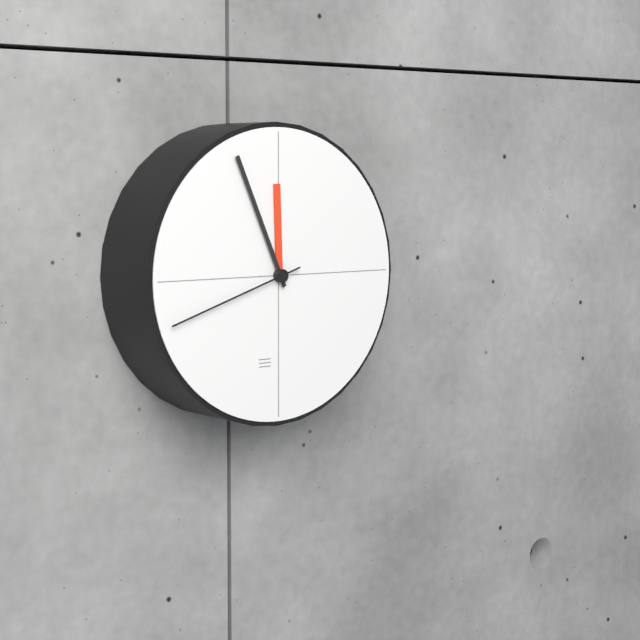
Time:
{"hour": 11, "minute": 56, "second": 42}
